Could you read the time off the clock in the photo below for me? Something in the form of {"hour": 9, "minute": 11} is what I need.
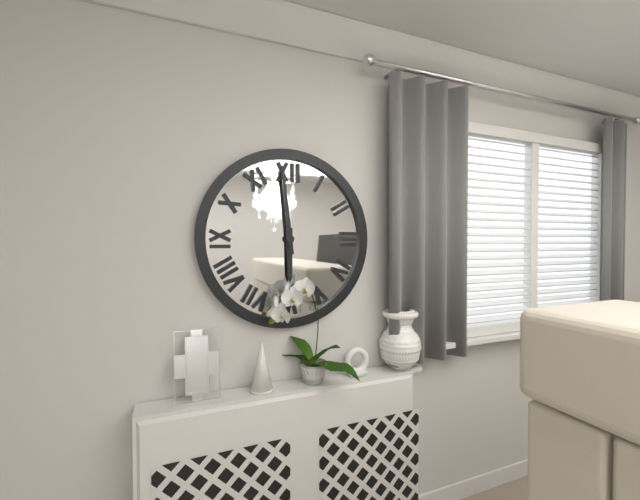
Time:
{"hour": 5, "minute": 59}
